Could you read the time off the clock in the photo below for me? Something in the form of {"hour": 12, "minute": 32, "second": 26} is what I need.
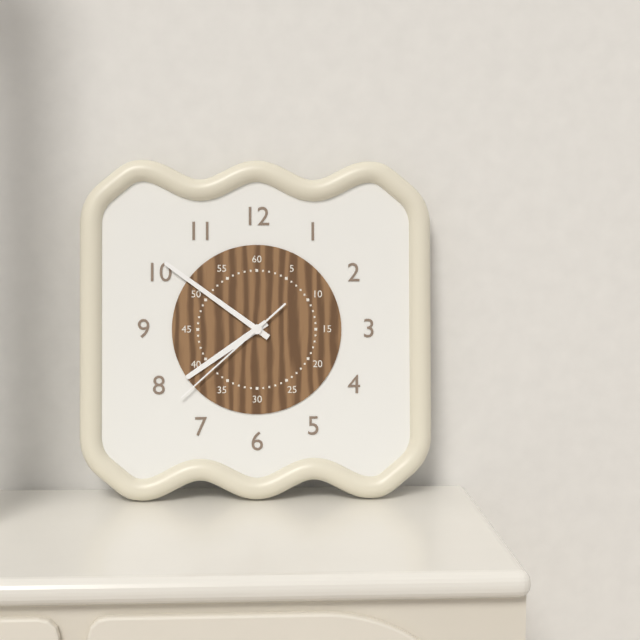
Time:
{"hour": 7, "minute": 51, "second": 38}
